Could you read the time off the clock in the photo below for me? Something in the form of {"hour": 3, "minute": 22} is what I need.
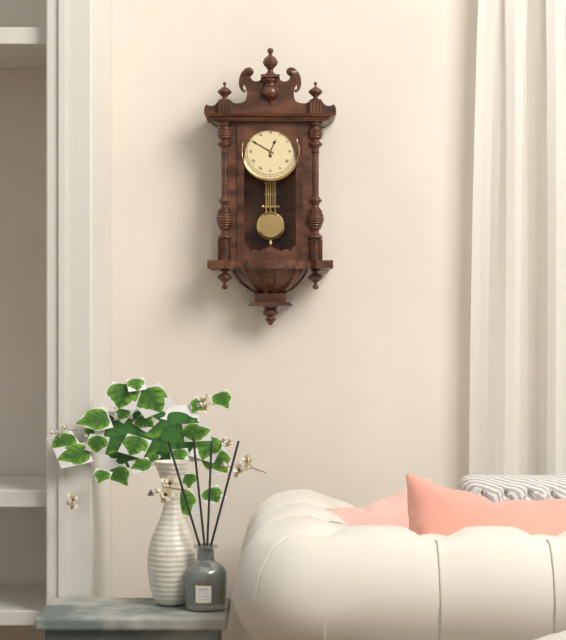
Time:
{"hour": 12, "minute": 50}
